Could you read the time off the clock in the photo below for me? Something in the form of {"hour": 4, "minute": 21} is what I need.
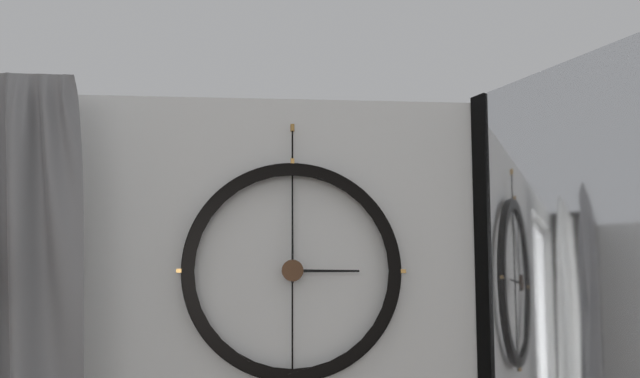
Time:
{"hour": 3, "minute": 0}
